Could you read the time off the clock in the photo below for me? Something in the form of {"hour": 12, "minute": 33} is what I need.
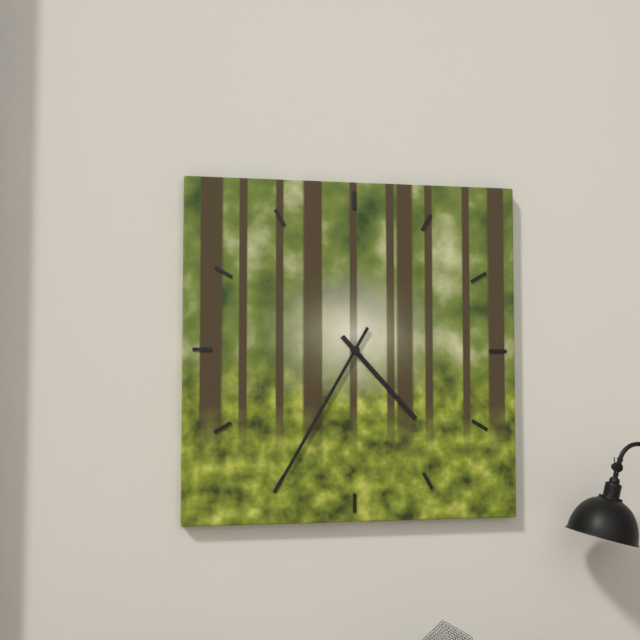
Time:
{"hour": 4, "minute": 35}
